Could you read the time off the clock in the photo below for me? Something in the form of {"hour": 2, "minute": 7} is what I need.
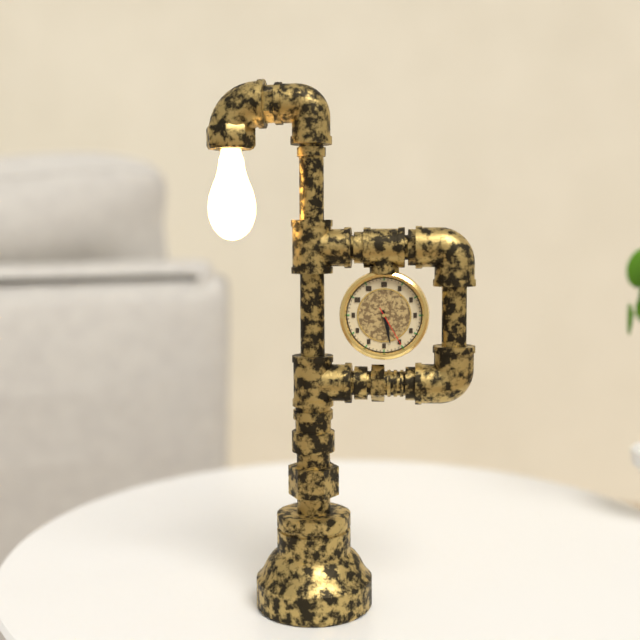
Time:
{"hour": 5, "minute": 28}
